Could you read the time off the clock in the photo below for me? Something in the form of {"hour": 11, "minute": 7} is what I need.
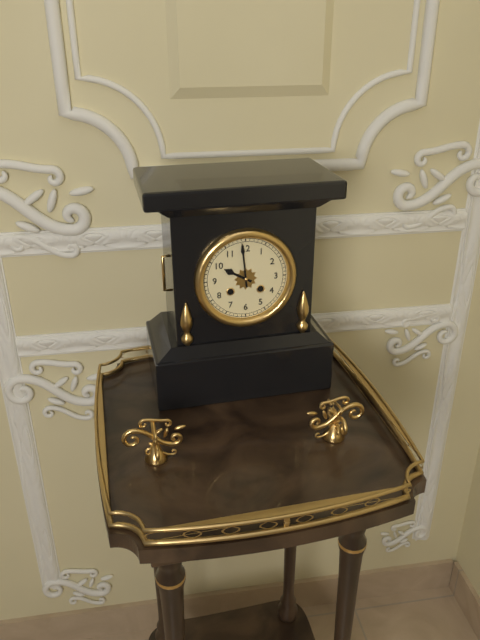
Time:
{"hour": 9, "minute": 59}
